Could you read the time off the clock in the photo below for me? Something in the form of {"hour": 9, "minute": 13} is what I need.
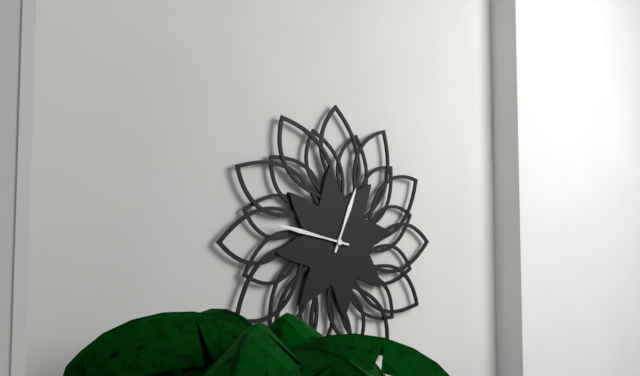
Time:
{"hour": 12, "minute": 47}
